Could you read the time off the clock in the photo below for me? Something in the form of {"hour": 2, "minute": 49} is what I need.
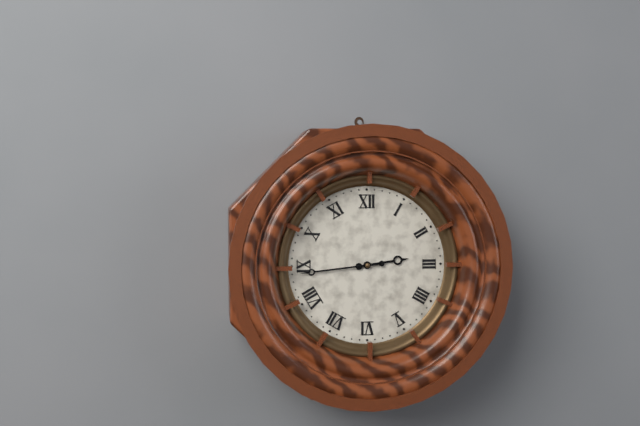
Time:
{"hour": 2, "minute": 44}
